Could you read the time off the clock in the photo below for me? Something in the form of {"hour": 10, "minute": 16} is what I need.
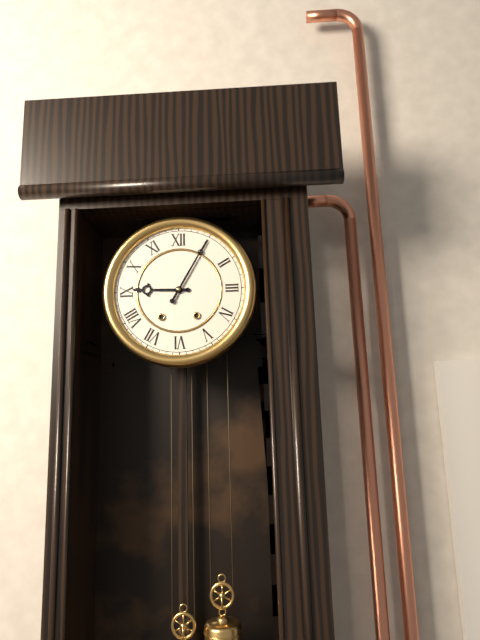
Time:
{"hour": 9, "minute": 5}
